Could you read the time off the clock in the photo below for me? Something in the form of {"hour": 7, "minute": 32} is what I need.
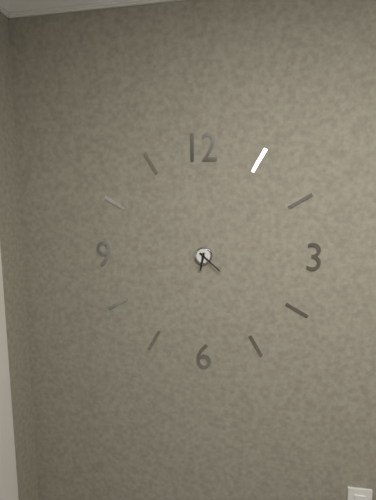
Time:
{"hour": 6, "minute": 22}
